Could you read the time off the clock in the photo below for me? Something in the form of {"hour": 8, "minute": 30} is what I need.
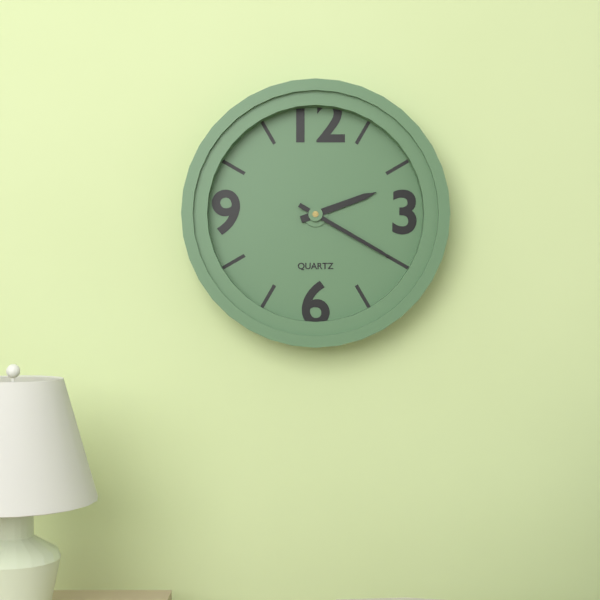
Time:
{"hour": 2, "minute": 20}
